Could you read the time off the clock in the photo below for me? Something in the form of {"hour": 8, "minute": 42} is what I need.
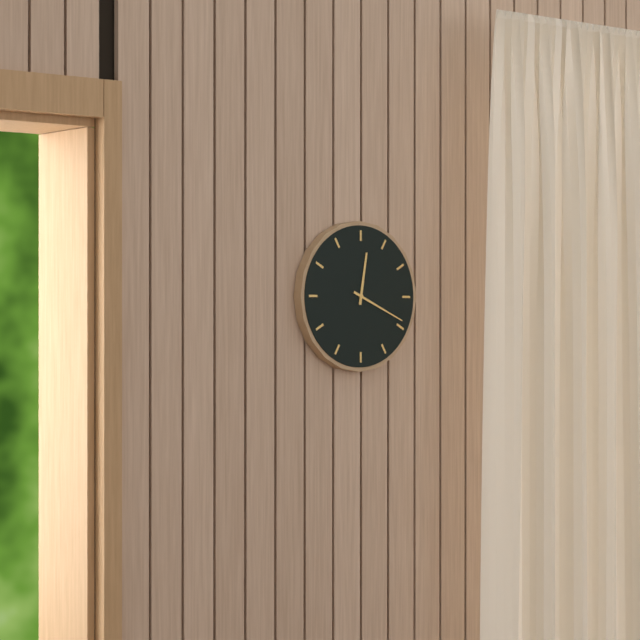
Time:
{"hour": 12, "minute": 19}
